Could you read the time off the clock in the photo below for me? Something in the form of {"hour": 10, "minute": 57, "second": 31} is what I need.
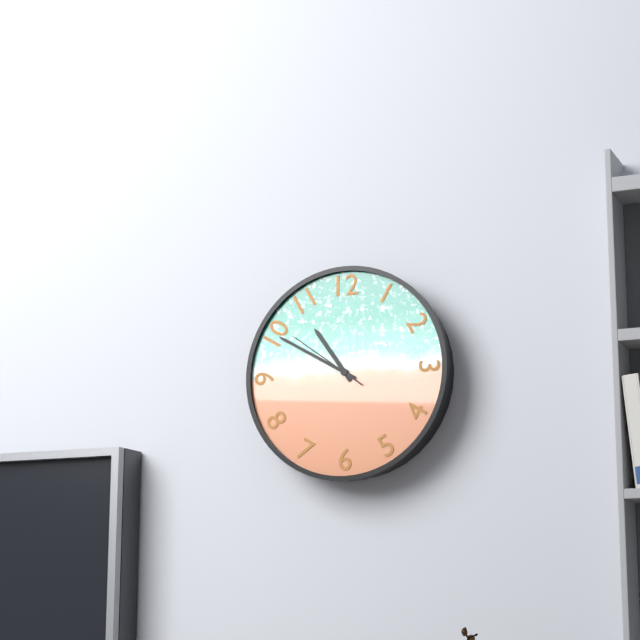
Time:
{"hour": 10, "minute": 50, "second": 51}
